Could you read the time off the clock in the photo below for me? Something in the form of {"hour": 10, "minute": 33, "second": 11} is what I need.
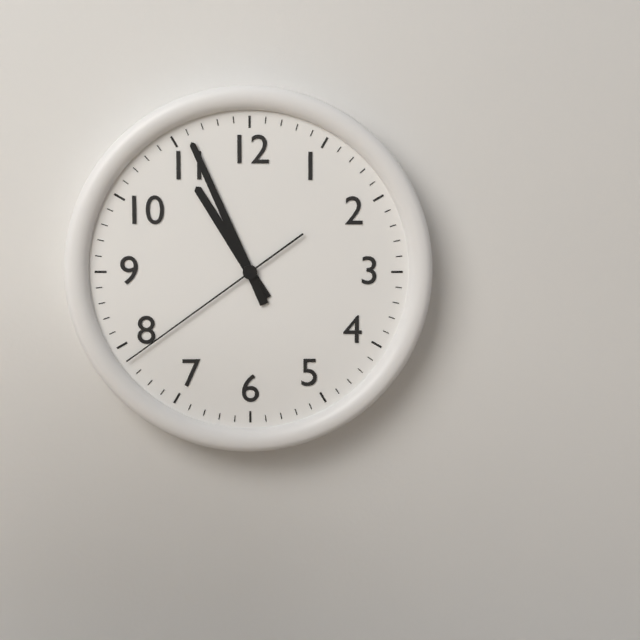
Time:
{"hour": 10, "minute": 56, "second": 39}
